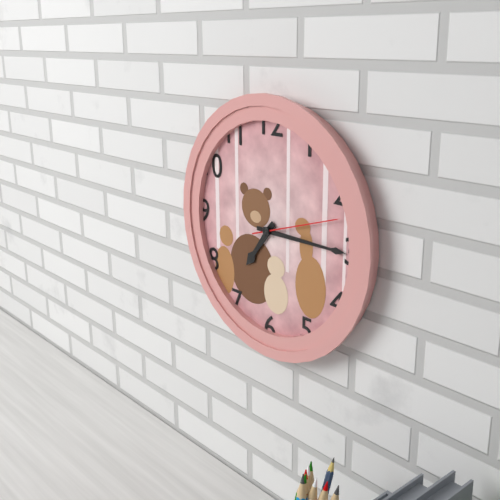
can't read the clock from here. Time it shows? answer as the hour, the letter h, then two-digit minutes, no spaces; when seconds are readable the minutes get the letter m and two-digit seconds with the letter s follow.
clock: 7h15m12s
